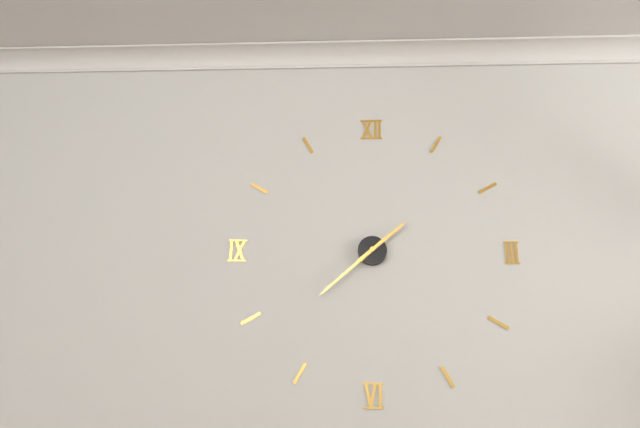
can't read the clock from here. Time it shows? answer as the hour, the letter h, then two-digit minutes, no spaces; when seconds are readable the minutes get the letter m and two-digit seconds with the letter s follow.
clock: 1h38
